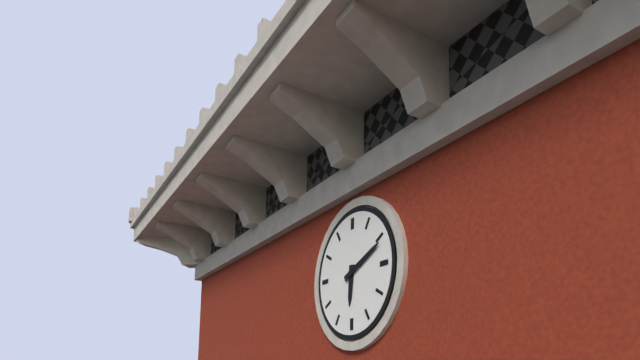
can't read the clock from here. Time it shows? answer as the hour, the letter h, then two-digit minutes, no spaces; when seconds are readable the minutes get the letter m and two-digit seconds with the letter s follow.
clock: 6h11
